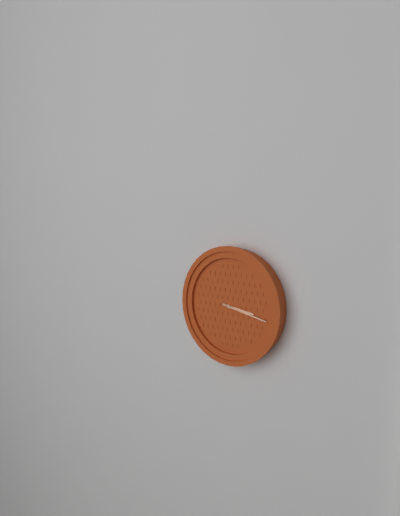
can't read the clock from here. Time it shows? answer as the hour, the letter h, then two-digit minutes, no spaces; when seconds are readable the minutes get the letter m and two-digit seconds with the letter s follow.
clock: 3h17
